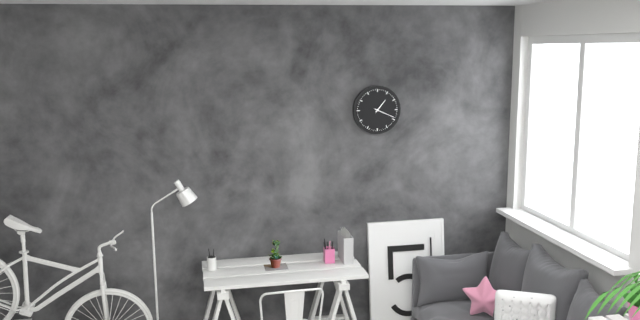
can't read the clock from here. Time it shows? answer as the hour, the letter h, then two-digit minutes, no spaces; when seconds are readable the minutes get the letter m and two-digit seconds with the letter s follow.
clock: 1h19
